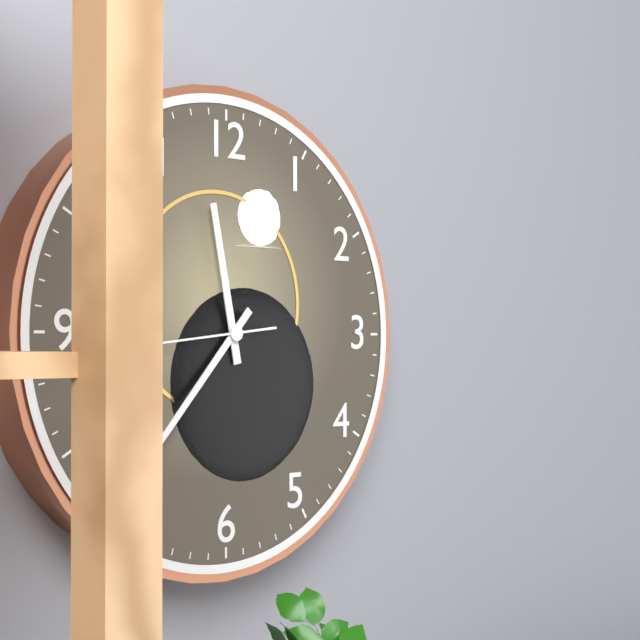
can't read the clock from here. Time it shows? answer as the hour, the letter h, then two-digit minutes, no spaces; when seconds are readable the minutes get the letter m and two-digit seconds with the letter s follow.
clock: 11h37
